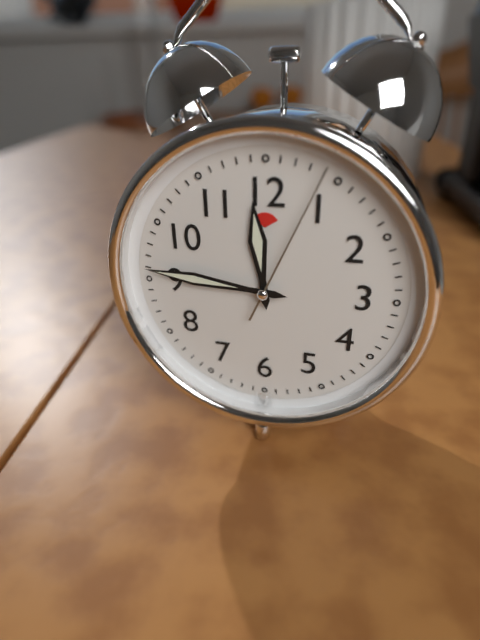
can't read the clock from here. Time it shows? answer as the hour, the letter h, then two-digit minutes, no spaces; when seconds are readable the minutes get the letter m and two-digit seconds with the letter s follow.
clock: 11h46m04s
